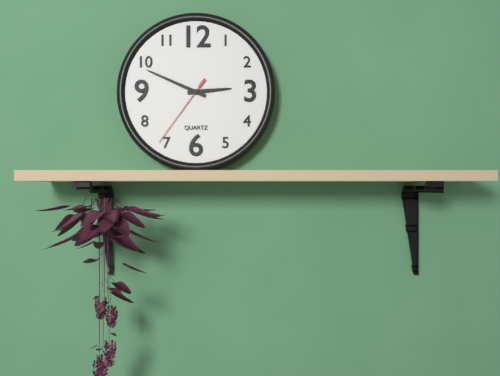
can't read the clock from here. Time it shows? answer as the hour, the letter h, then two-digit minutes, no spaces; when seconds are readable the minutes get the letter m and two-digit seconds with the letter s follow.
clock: 2h49m36s
